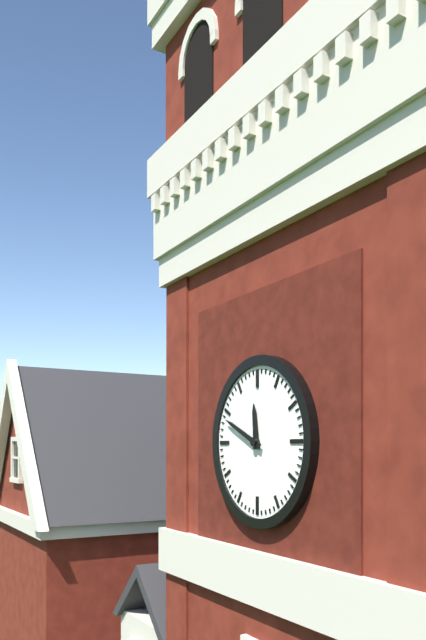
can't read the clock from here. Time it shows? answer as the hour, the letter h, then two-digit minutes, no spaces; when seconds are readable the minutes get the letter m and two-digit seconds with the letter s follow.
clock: 11h49
